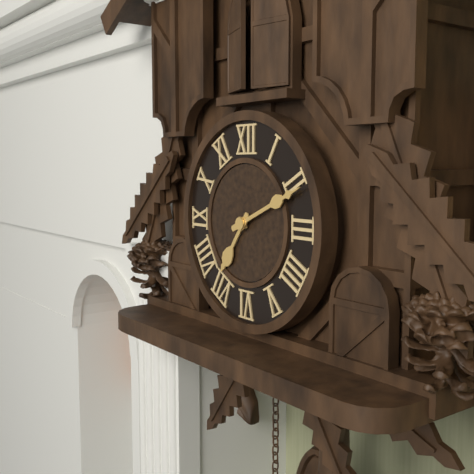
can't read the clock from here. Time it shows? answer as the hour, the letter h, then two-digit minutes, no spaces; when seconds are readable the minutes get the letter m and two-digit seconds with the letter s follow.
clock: 7h11
